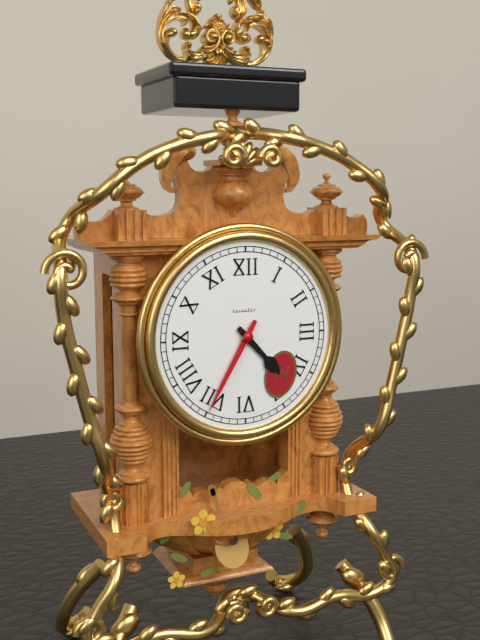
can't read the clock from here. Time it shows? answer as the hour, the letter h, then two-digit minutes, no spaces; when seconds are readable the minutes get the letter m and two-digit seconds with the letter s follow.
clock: 4h35
